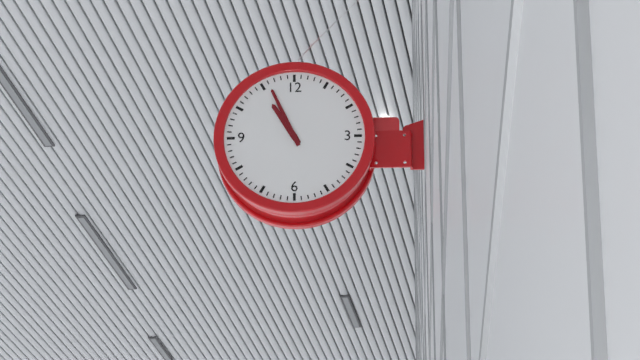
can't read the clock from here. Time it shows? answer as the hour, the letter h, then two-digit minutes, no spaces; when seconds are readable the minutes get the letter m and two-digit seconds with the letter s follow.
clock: 10h56
